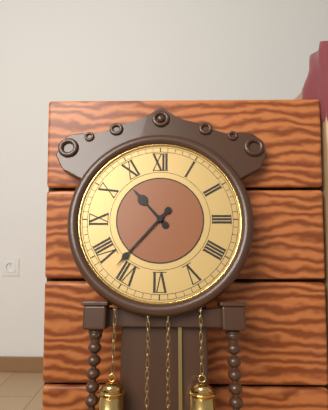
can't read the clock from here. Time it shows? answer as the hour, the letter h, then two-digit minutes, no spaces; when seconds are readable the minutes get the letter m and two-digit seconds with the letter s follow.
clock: 10h37
